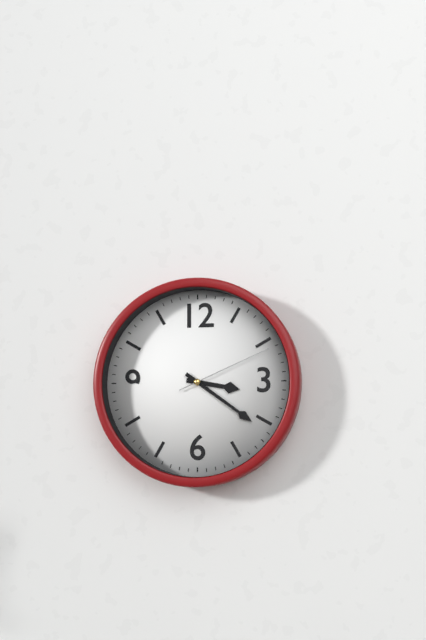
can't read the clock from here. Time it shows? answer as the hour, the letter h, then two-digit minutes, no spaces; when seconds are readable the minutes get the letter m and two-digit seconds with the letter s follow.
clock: 3h21m11s
